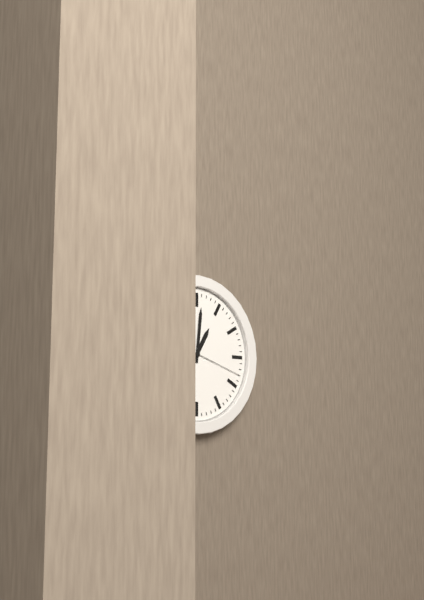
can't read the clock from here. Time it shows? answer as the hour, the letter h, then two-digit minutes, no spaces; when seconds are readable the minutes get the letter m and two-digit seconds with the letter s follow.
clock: 1h01m18s
